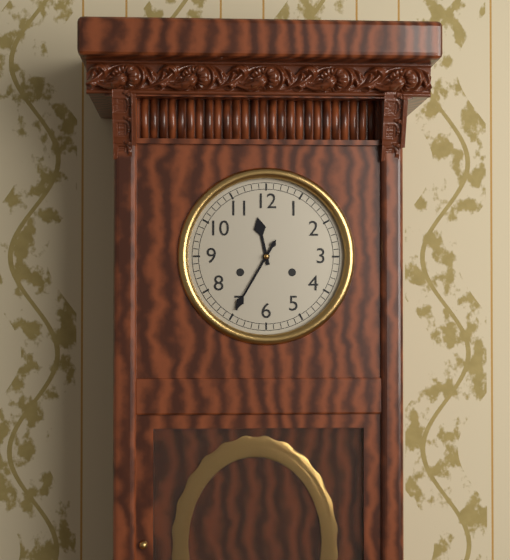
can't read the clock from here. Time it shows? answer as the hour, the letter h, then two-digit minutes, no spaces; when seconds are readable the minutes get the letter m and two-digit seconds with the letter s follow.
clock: 11h35
